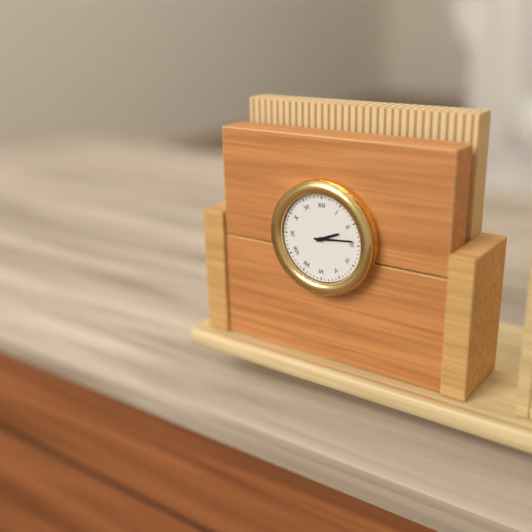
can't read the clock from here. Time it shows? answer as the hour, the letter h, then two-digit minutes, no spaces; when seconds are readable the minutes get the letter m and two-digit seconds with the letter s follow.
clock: 2h14
